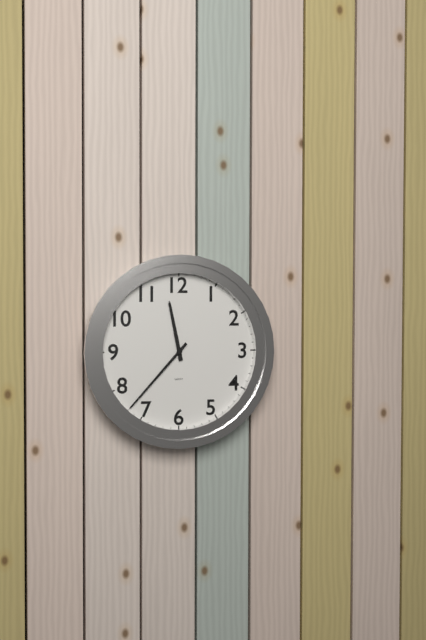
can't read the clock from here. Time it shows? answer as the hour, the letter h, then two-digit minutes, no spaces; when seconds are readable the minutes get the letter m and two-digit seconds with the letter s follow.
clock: 11h37
